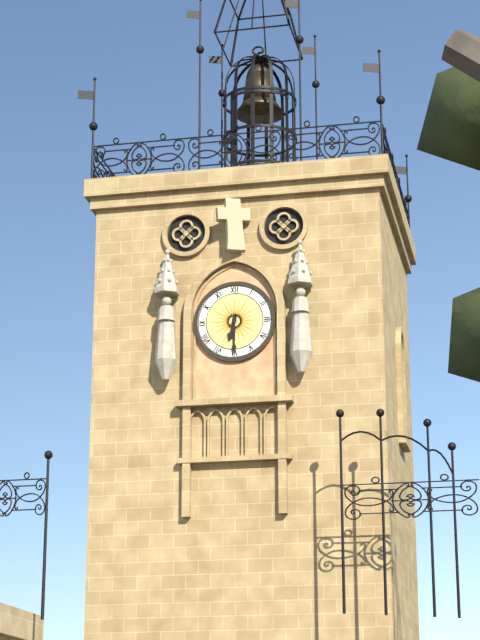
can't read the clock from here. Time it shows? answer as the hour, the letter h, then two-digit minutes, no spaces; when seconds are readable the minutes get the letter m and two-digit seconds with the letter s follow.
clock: 6h30
